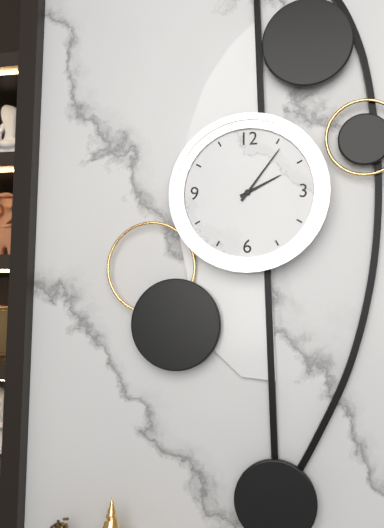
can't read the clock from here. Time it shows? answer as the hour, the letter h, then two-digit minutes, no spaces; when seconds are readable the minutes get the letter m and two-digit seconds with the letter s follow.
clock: 2h06
